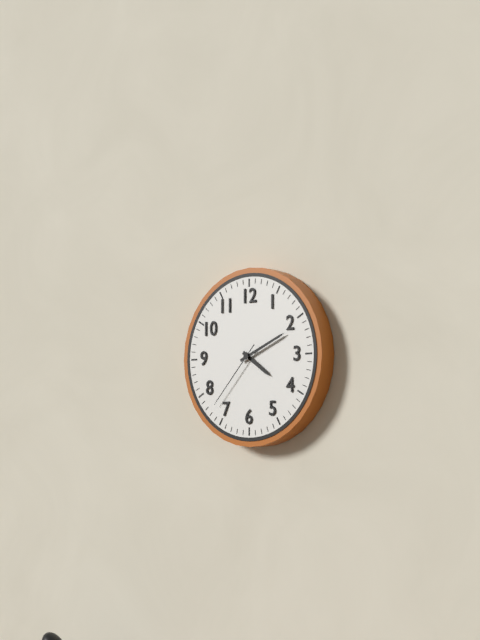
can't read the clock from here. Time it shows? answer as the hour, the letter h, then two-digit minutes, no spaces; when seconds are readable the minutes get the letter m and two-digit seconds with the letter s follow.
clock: 4h11m37s
